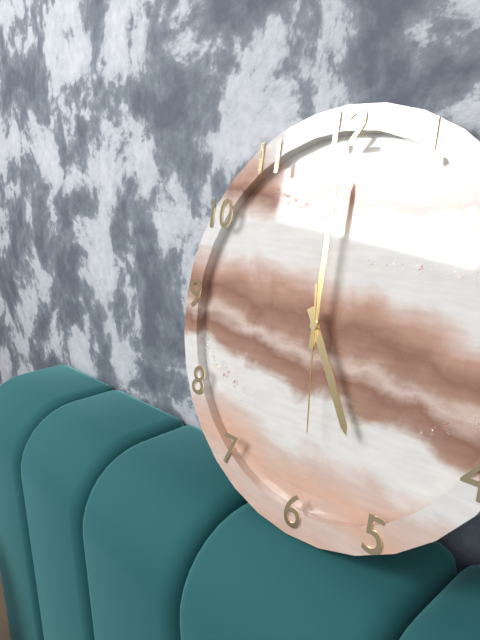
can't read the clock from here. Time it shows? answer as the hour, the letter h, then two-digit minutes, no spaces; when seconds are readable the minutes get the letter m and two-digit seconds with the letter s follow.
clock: 5h00m29s
